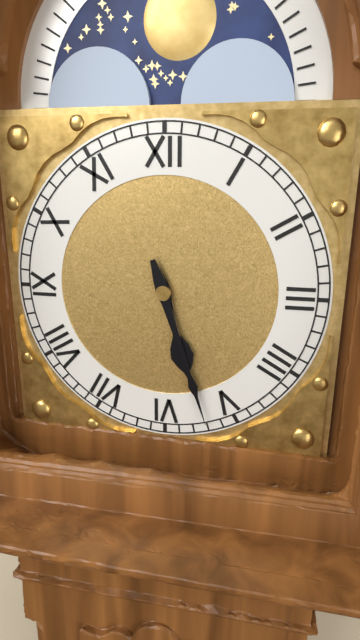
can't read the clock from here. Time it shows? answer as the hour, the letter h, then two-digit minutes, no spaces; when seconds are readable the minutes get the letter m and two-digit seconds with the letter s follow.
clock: 5h27
